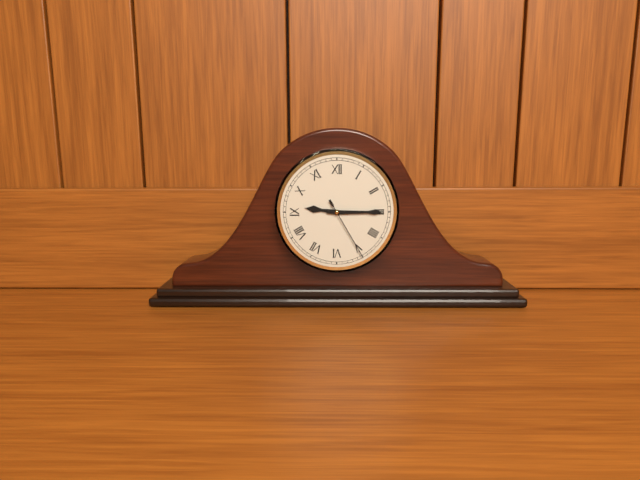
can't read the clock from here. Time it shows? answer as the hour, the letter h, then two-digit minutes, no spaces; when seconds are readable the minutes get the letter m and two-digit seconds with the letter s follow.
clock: 9h15m25s
